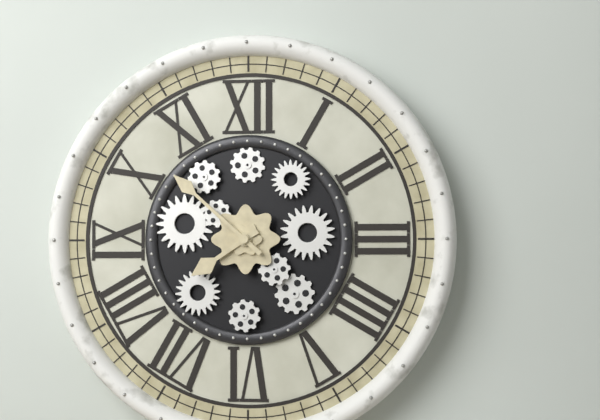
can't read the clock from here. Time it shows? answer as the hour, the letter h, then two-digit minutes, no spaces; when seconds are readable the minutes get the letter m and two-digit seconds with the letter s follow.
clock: 7h52
